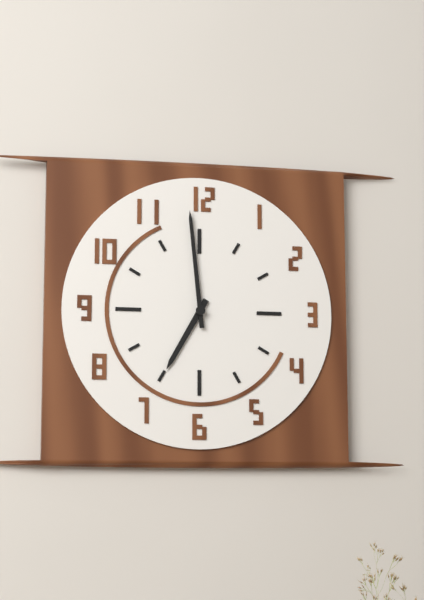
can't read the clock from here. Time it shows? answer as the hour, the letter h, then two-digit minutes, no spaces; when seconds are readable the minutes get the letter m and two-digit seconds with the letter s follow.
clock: 6h59
